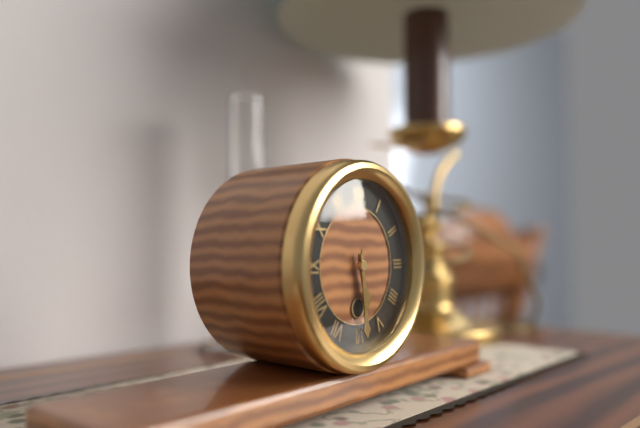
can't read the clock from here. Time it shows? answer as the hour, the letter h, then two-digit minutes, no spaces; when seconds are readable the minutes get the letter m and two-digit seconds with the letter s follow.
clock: 5h29
